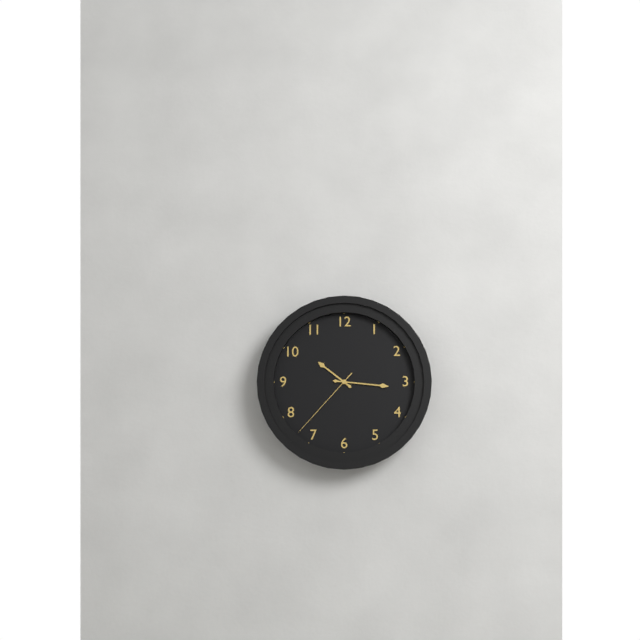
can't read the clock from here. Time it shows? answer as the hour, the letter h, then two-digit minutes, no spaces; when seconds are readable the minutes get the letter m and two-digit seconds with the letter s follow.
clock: 10h16m37s
